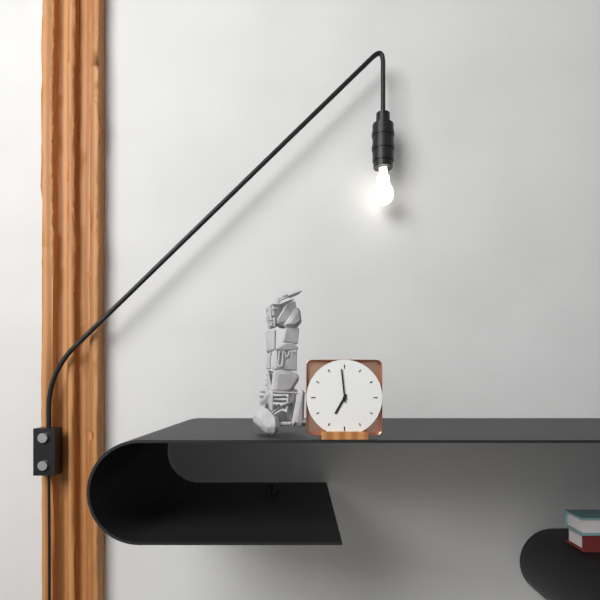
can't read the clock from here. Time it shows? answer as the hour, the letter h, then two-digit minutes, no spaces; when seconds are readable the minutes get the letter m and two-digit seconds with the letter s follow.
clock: 6h59
